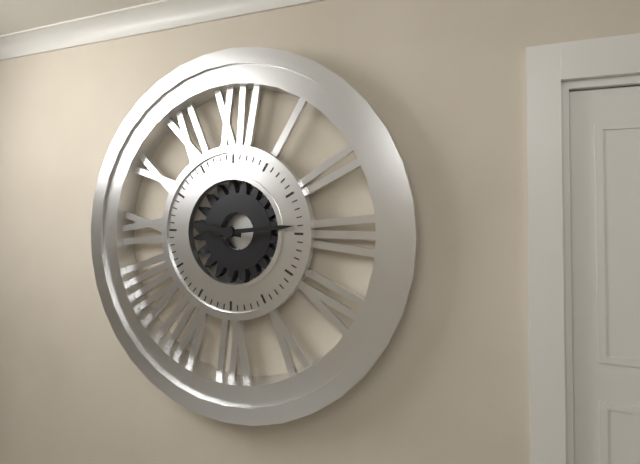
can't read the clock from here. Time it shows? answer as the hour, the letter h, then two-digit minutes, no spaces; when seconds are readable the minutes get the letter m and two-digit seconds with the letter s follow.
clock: 9h14
